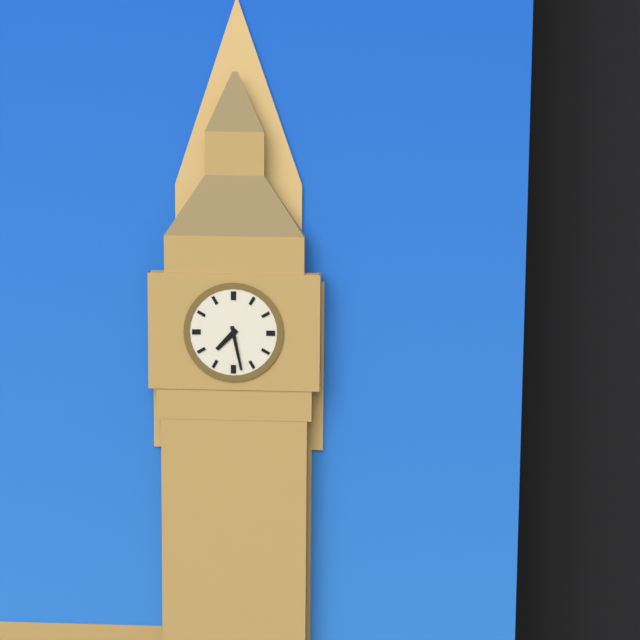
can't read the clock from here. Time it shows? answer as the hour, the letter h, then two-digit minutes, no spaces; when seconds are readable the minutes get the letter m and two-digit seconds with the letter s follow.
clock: 7h28
